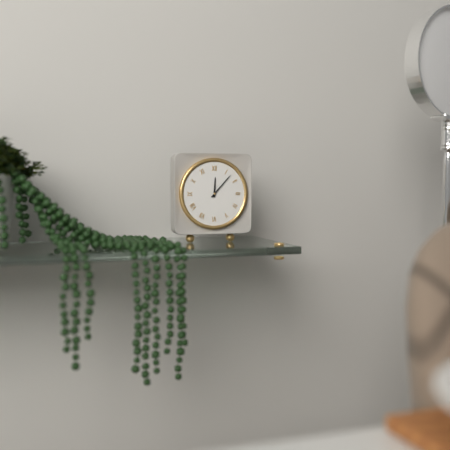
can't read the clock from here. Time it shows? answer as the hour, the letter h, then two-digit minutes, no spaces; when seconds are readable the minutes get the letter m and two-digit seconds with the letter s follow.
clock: 12h07
